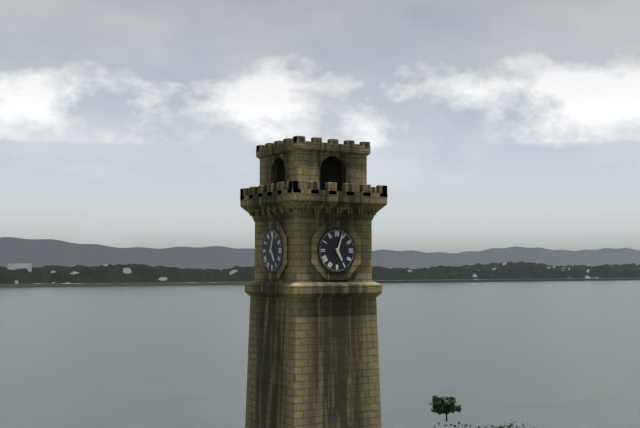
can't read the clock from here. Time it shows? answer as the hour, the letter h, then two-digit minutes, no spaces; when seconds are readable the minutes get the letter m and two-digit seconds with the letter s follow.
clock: 5h03
